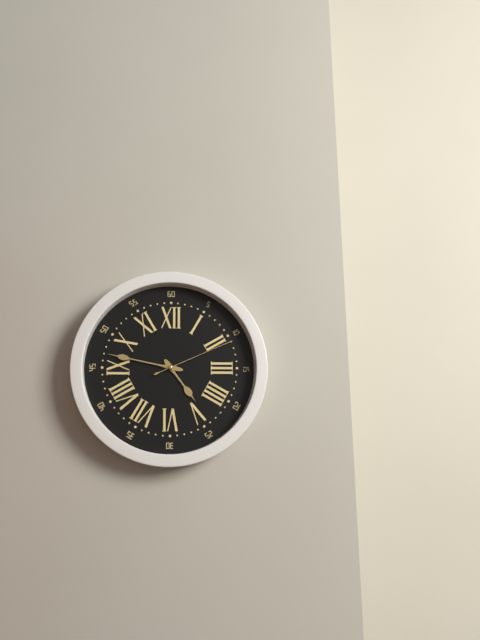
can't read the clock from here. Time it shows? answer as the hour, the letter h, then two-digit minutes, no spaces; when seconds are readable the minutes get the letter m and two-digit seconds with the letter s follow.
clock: 4h47m11s
